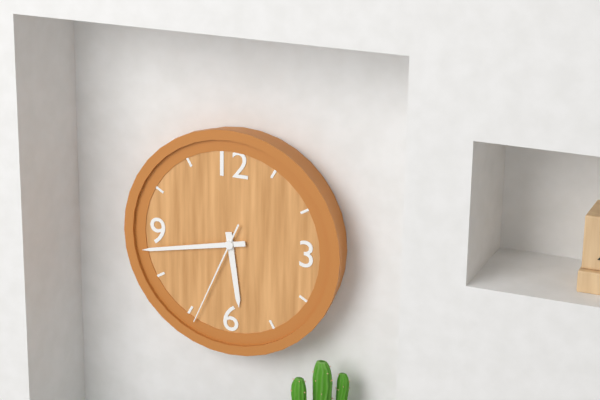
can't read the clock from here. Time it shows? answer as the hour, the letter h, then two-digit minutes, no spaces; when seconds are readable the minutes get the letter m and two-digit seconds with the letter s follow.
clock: 5h43m34s
